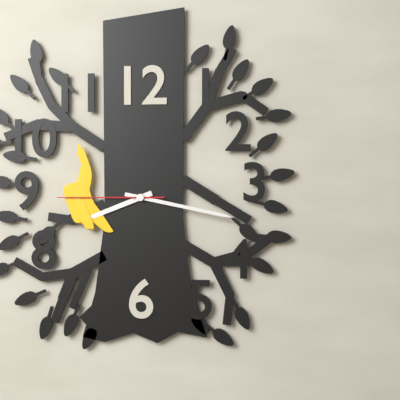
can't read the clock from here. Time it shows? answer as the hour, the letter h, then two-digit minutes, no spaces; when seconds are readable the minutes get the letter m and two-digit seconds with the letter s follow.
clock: 8h17m45s
